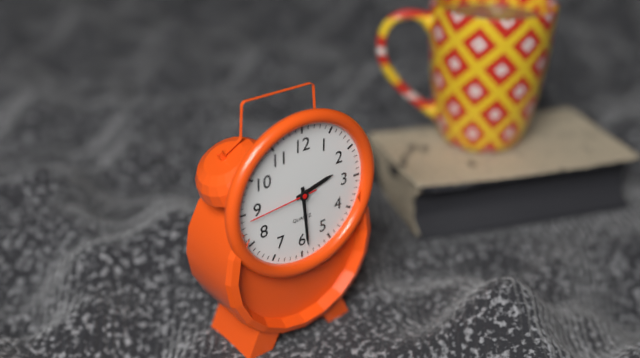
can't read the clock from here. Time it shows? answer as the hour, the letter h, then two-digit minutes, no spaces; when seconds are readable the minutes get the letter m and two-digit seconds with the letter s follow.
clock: 2h29m44s
